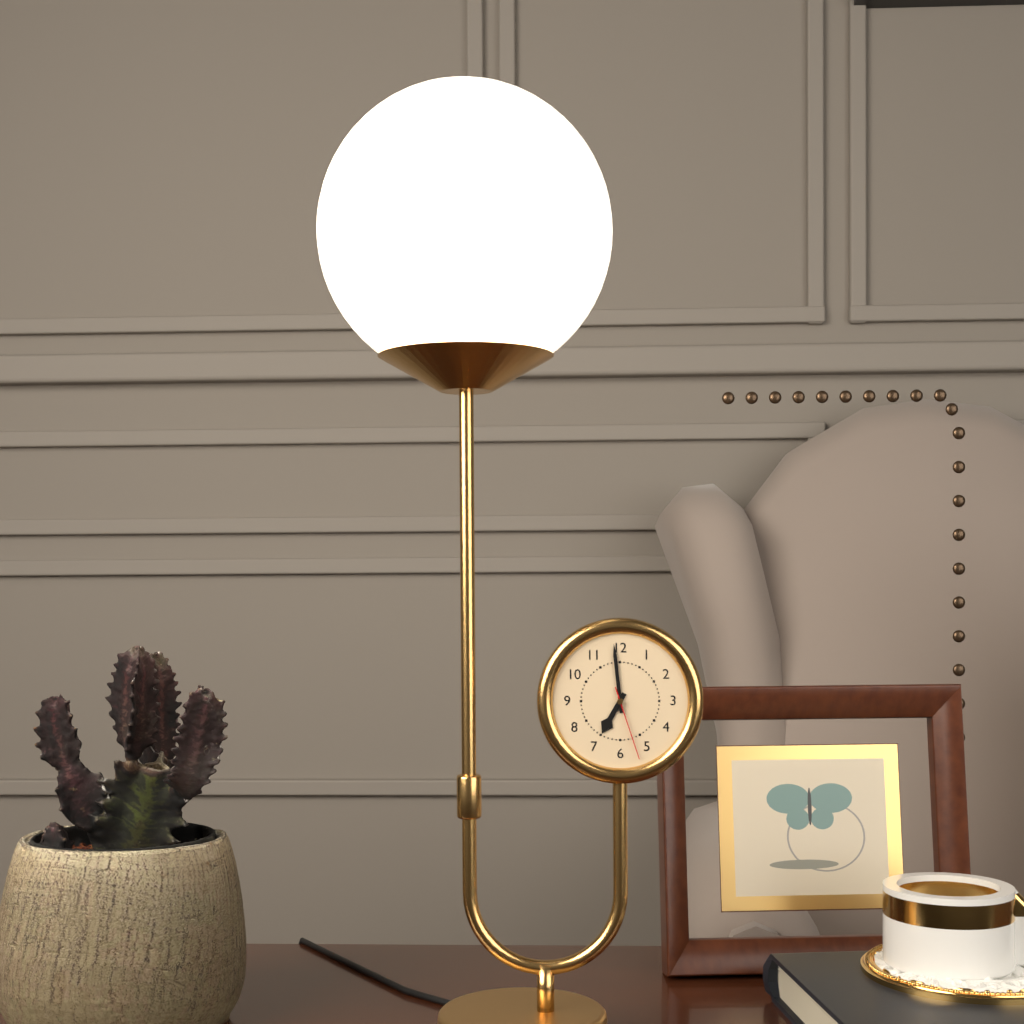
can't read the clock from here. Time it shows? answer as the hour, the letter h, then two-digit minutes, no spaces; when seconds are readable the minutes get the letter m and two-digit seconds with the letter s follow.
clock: 6h59m27s
